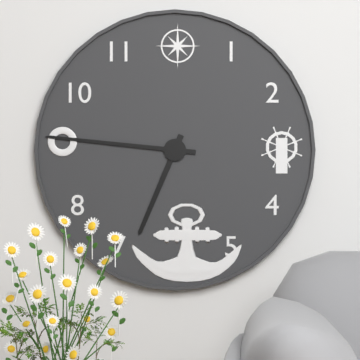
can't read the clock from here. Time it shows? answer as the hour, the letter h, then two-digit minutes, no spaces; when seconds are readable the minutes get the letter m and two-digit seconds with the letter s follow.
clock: 6h46
